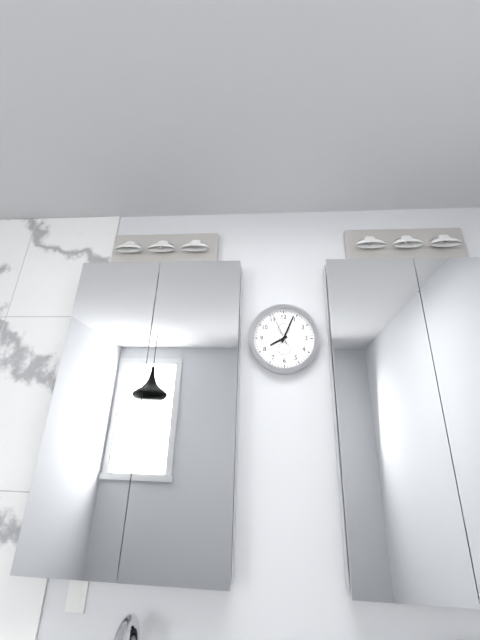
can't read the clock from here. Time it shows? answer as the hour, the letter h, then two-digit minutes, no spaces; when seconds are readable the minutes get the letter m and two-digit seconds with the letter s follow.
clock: 8h04
